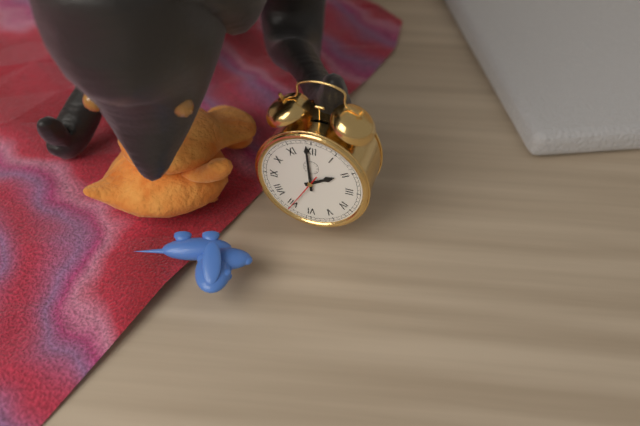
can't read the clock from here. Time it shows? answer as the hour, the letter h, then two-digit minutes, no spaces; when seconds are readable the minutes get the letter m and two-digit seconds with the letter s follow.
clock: 1h59
